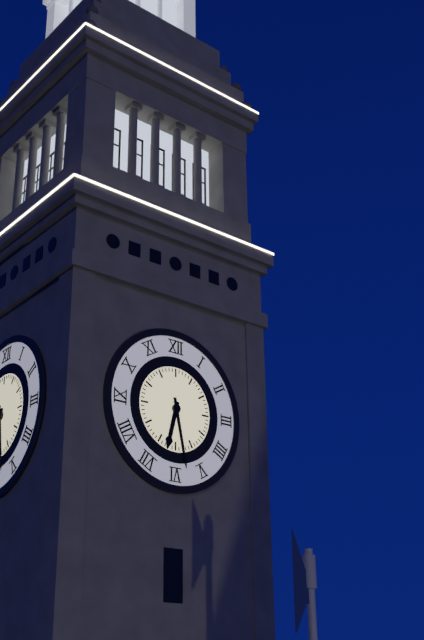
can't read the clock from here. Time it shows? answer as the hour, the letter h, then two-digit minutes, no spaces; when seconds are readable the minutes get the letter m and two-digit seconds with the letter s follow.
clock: 6h28
